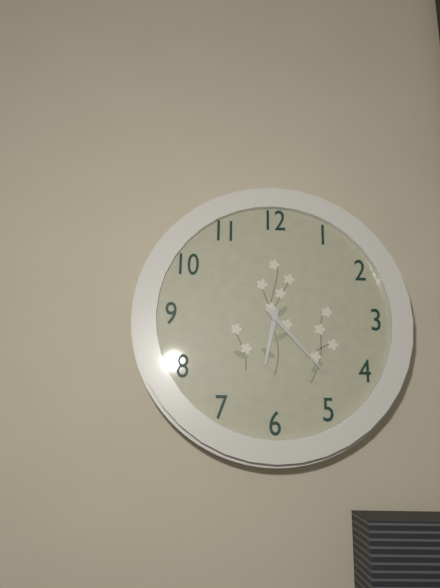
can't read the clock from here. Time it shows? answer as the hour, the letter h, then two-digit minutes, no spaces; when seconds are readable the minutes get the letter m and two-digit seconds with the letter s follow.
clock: 6h23
